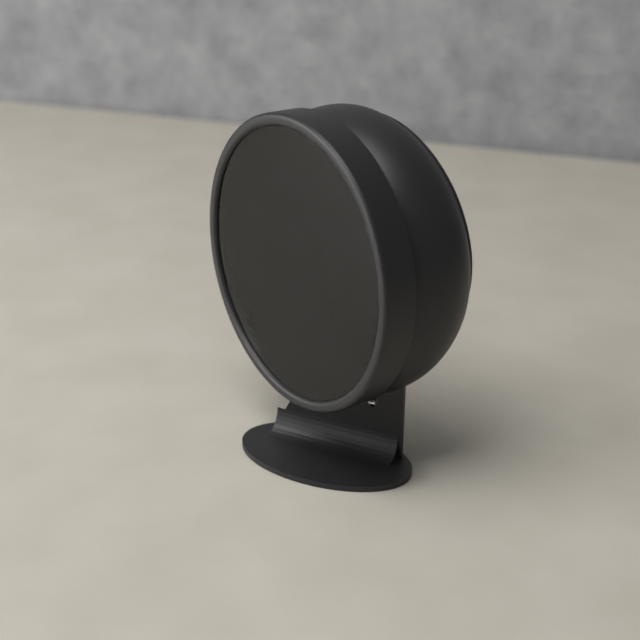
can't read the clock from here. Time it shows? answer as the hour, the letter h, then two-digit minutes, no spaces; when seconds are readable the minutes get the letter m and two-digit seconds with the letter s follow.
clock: 6h50m28s
